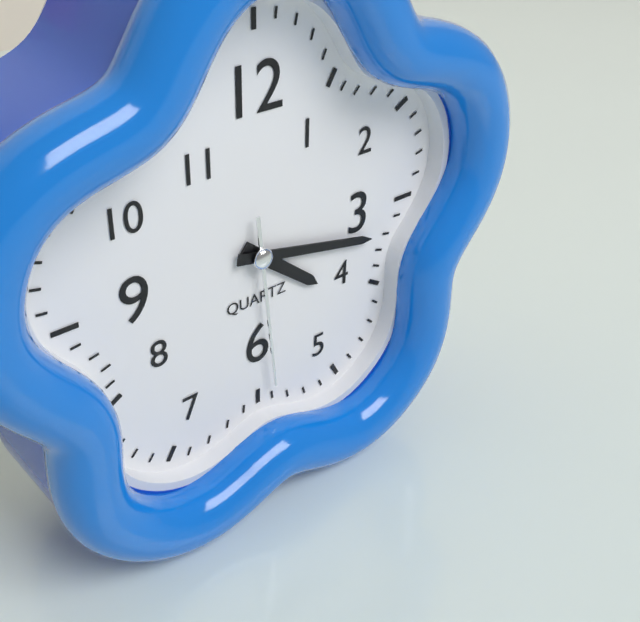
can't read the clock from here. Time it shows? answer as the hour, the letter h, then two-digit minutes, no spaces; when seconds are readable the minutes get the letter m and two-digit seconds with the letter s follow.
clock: 4h17m29s
